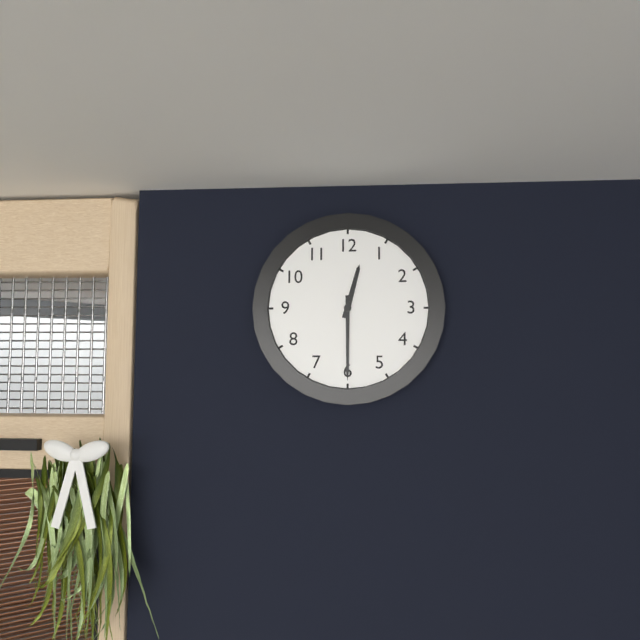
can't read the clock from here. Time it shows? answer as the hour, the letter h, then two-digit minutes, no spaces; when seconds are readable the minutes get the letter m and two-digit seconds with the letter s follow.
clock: 12h30
